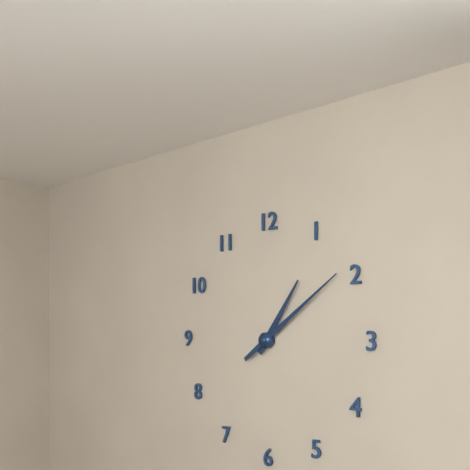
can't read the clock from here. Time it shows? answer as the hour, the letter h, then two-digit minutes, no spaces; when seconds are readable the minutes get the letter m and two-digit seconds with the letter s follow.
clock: 1h09
